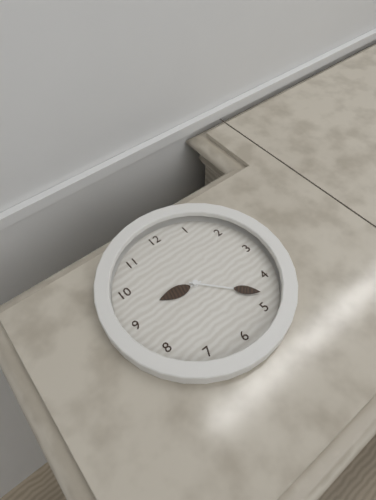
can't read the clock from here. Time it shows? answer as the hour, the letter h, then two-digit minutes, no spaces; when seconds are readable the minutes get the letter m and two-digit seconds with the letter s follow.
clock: 9h23
